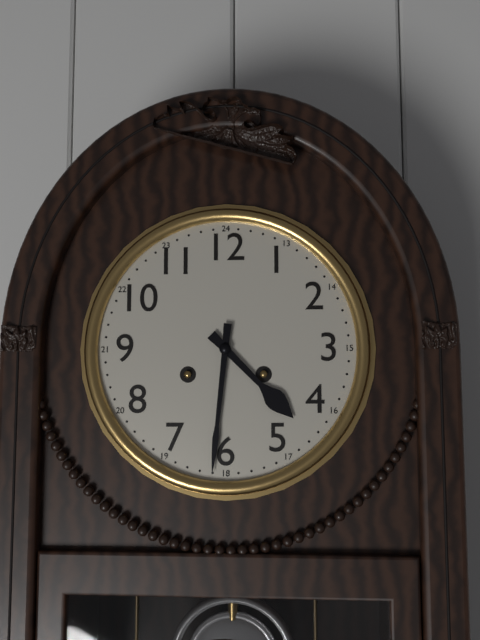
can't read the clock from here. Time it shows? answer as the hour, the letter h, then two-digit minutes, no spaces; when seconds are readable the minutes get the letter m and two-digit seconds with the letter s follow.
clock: 4h31
